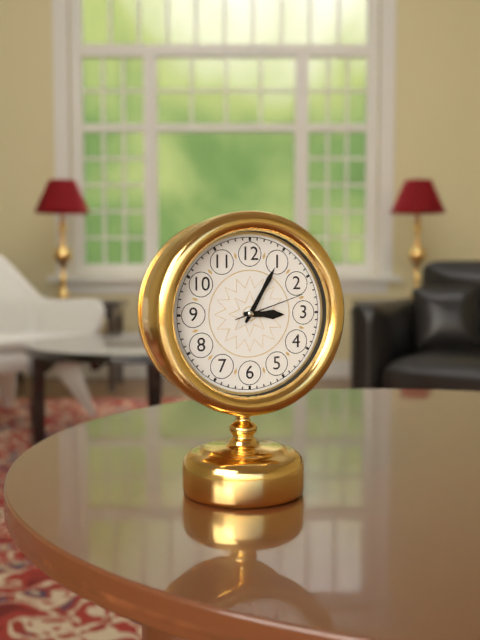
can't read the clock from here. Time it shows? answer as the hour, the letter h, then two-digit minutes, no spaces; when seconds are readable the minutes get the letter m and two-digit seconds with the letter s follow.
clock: 3h05m12s
